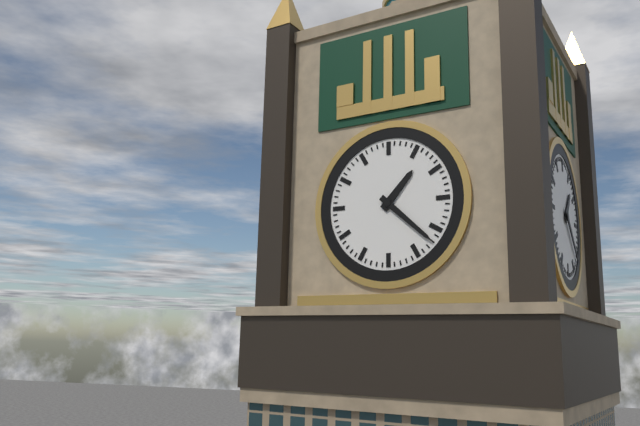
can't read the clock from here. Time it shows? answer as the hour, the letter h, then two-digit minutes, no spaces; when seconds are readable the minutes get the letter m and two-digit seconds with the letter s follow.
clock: 1h22
